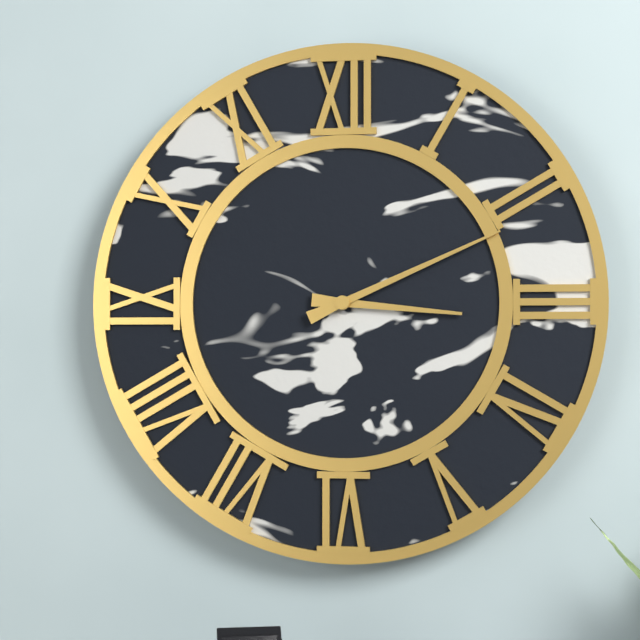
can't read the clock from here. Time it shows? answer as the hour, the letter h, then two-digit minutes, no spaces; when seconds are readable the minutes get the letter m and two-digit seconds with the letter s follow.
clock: 3h11
